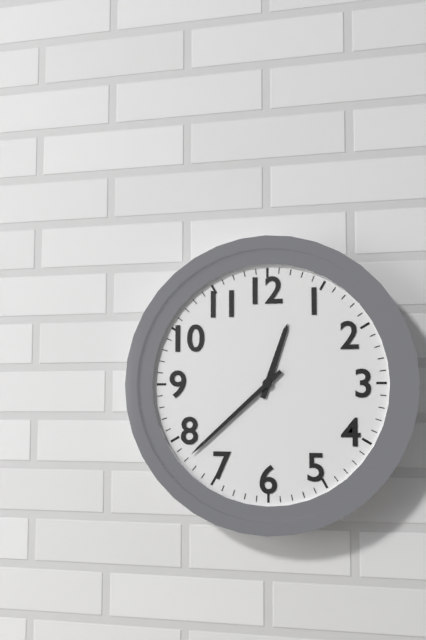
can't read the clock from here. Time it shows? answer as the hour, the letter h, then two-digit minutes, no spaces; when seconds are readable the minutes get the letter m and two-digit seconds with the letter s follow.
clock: 12h38
